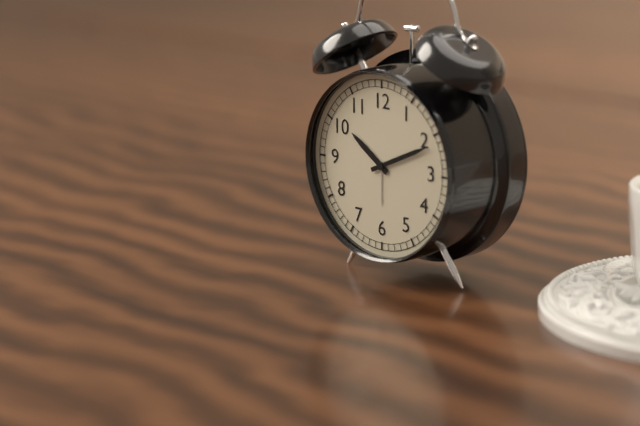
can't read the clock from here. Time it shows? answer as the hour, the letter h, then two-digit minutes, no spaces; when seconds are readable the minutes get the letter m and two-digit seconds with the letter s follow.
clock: 10h11
